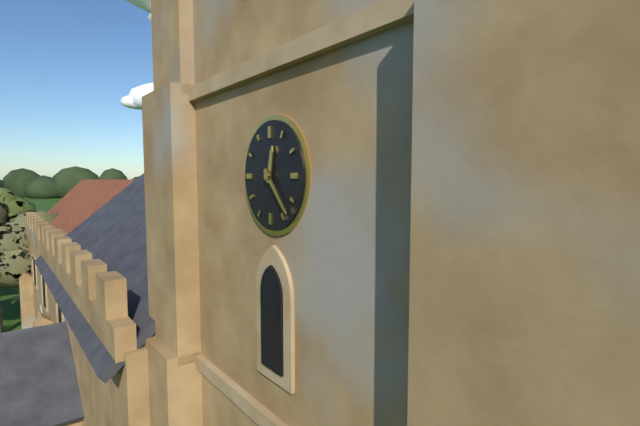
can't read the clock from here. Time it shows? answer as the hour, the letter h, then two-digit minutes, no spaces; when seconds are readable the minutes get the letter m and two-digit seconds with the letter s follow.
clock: 12h23
